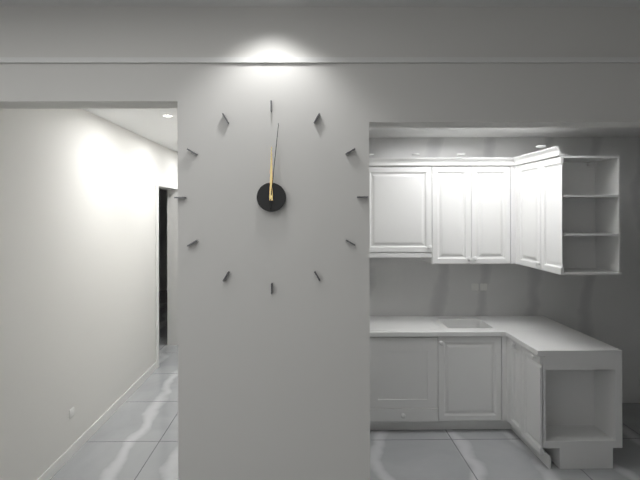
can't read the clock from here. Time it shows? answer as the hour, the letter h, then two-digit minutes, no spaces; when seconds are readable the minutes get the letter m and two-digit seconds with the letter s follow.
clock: 12h01
